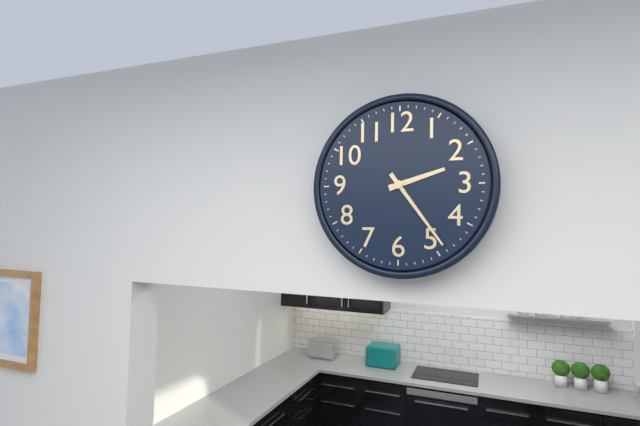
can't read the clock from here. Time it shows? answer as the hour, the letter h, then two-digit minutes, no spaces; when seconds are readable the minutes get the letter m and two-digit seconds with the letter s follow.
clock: 2h24
